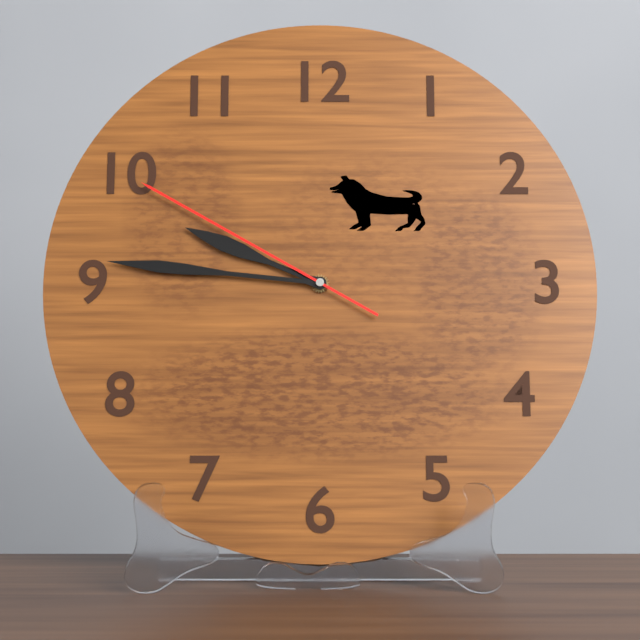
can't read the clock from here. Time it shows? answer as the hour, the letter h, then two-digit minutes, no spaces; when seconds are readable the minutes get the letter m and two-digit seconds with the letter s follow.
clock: 9h46m50s
